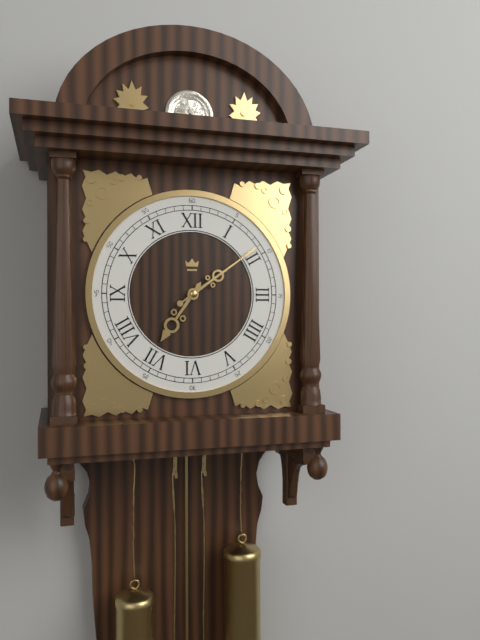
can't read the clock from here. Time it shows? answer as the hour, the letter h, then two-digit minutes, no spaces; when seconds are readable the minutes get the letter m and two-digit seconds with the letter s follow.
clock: 7h09
